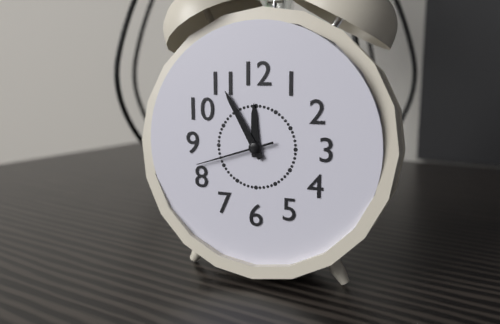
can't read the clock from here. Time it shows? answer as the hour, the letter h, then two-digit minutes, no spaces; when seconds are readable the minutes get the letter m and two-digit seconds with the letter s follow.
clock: 11h55m42s
